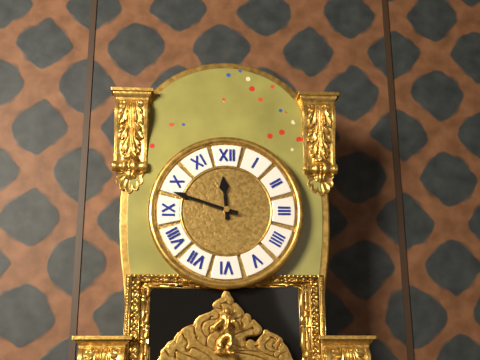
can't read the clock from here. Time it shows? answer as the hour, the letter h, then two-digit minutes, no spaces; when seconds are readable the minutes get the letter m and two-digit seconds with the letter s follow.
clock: 11h48
